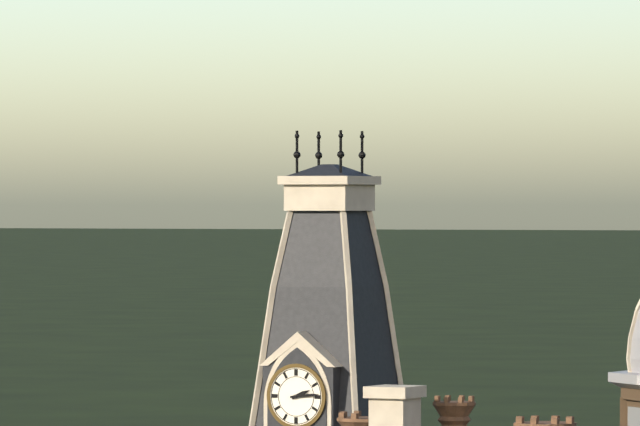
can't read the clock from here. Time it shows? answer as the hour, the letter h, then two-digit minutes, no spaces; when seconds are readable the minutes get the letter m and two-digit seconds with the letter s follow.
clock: 2h14
